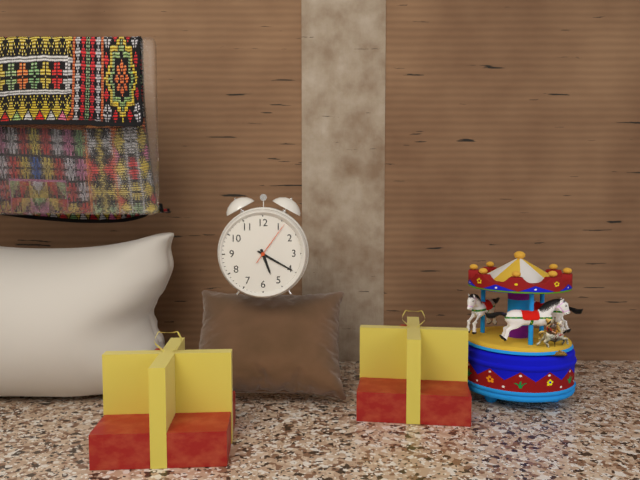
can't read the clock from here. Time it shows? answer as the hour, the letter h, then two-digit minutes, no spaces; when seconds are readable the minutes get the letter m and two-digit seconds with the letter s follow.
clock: 5h20
